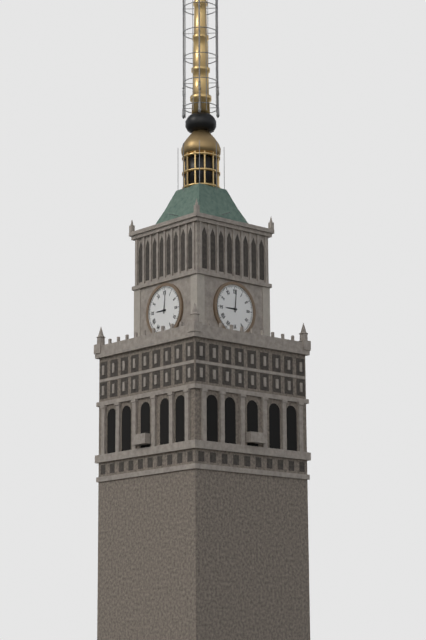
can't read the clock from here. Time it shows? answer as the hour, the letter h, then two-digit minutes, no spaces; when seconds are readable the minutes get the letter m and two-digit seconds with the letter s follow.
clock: 9h01
